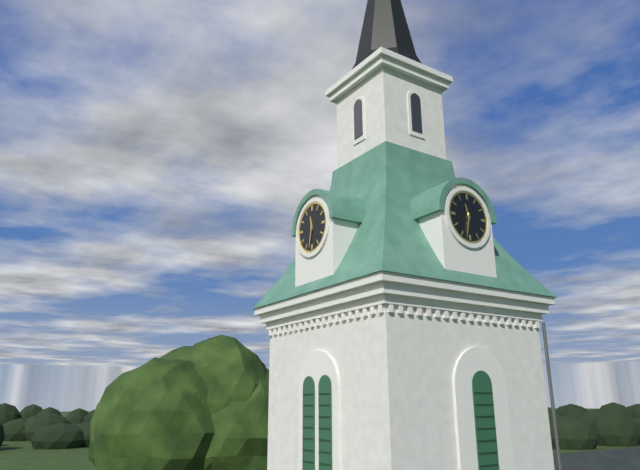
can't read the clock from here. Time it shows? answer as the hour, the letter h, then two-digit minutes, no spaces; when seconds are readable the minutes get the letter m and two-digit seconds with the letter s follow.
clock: 11h32
